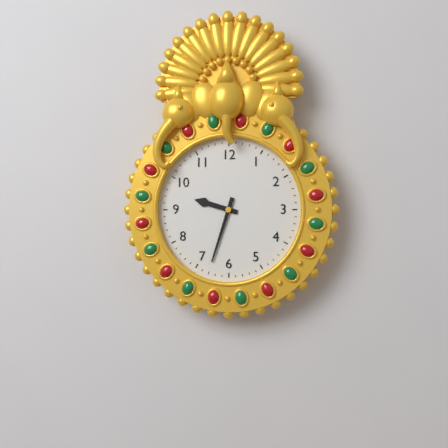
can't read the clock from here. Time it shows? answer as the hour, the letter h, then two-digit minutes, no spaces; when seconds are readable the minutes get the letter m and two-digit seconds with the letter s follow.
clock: 9h33
